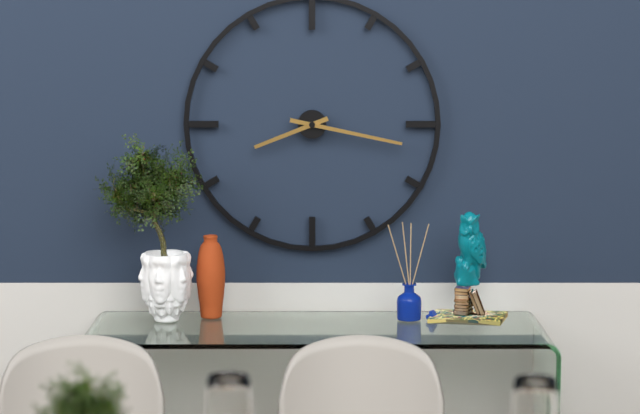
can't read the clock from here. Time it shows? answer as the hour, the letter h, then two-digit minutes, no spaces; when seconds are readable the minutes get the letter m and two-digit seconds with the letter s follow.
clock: 8h17
